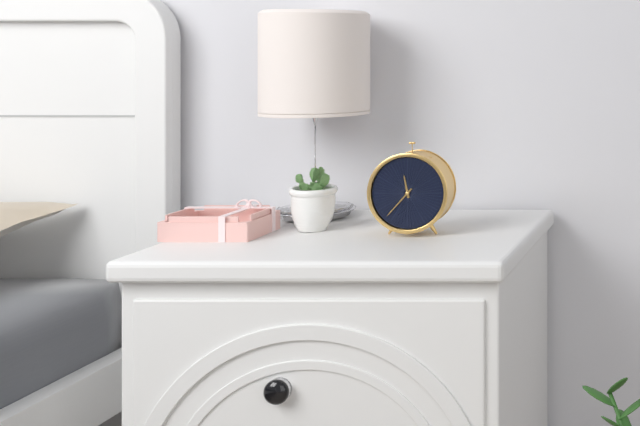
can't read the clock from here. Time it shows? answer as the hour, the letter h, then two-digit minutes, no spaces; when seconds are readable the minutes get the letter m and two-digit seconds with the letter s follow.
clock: 11h37
